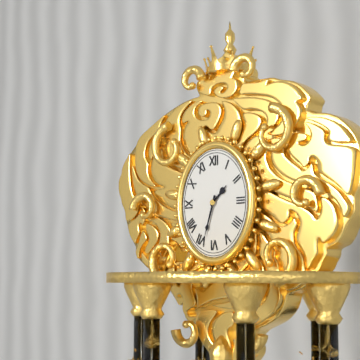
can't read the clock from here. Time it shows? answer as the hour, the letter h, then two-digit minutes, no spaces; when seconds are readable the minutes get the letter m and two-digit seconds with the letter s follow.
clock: 1h33
